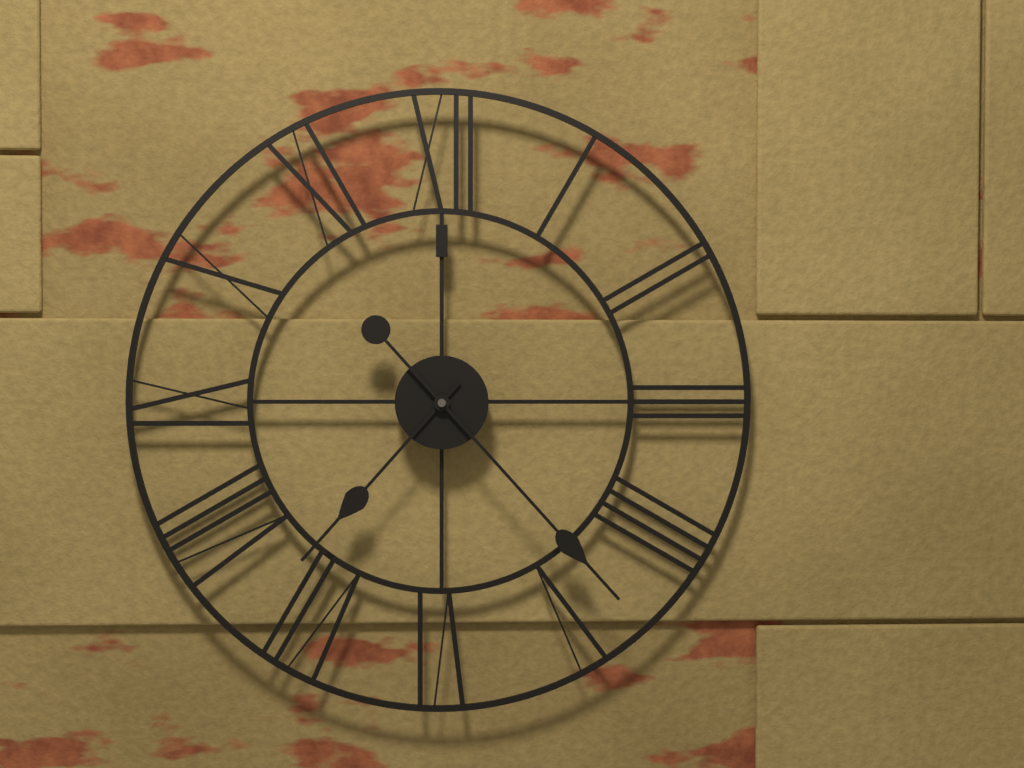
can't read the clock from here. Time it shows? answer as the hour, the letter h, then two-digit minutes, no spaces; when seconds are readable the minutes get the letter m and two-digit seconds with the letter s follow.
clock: 7h23
